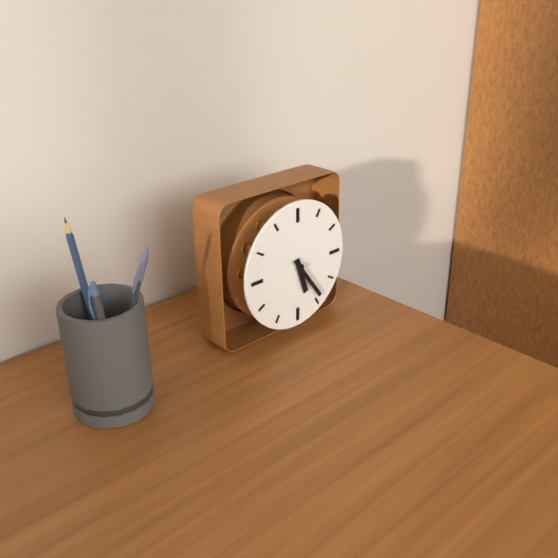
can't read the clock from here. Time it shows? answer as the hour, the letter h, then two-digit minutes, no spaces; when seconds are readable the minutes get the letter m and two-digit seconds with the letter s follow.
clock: 5h24
